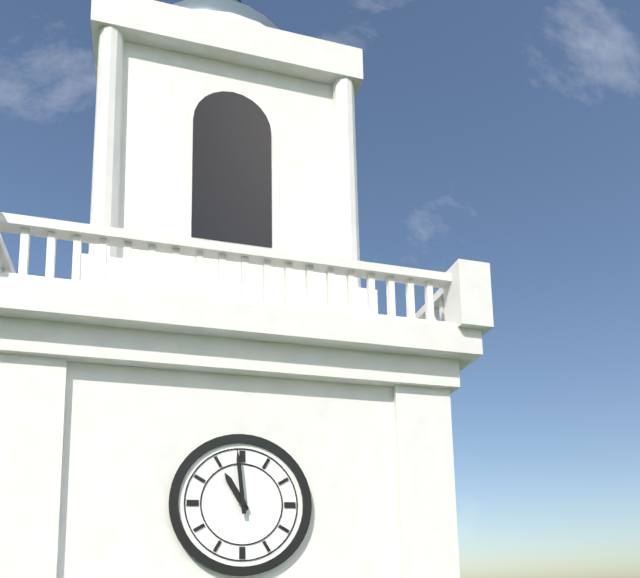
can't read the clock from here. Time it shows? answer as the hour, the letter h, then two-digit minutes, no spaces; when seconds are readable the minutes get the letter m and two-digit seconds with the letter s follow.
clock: 10h59
